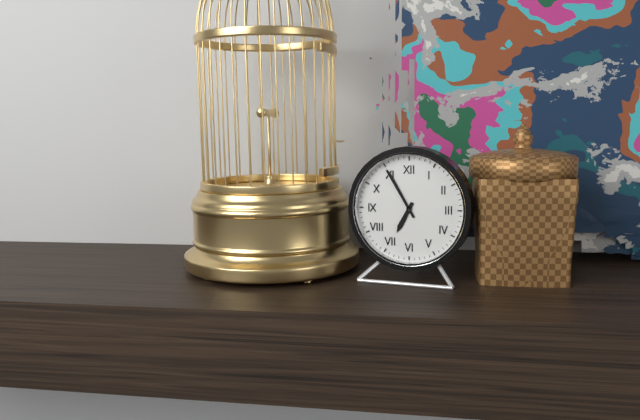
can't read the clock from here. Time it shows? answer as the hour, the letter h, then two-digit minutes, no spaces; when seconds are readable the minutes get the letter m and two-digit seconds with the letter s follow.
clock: 6h55
